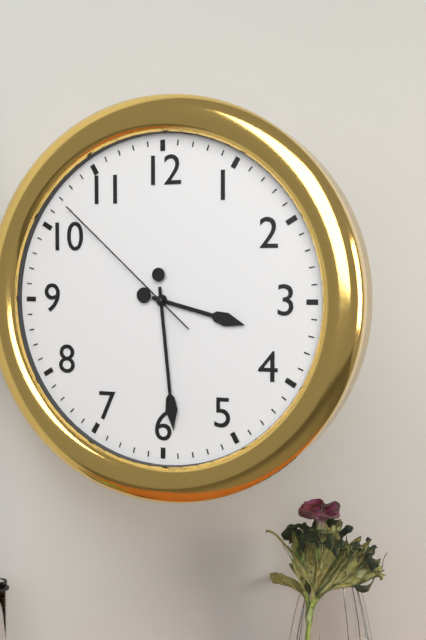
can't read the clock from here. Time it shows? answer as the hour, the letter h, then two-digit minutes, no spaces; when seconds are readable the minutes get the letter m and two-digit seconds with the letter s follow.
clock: 3h29m52s
